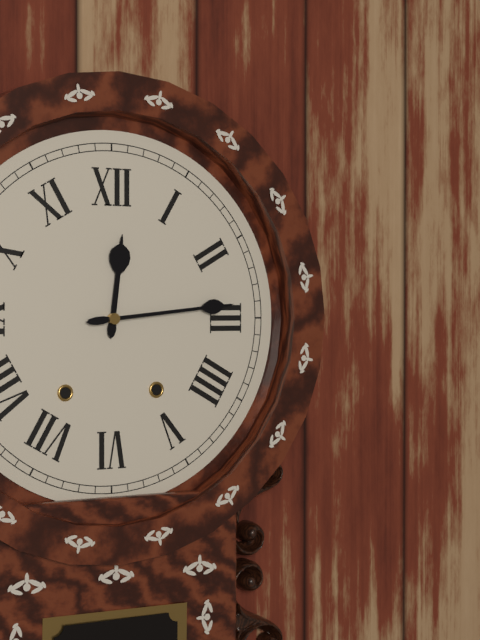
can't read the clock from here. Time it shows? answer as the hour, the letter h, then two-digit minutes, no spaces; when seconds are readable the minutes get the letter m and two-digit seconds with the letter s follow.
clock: 12h14
